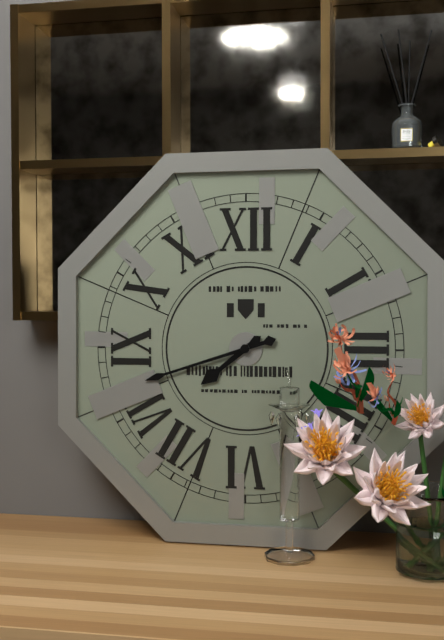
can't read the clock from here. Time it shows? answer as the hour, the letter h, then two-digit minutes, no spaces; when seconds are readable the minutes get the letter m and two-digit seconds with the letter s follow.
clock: 7h42
